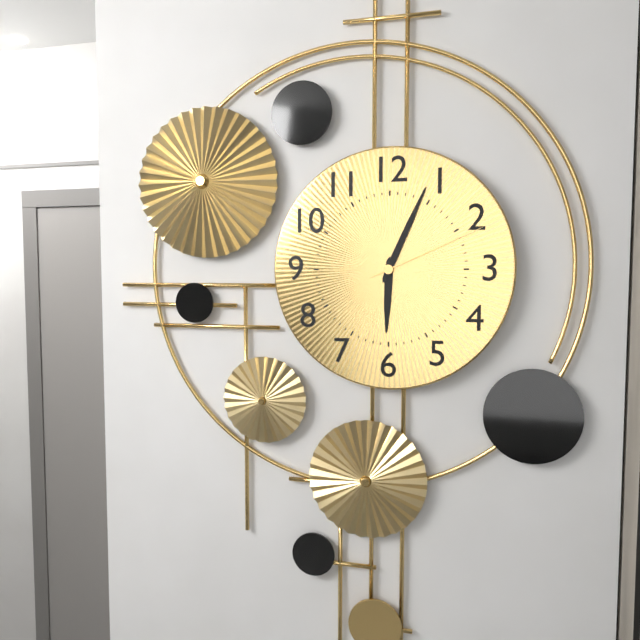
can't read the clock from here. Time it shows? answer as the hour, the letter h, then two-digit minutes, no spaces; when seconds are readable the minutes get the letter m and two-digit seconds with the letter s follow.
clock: 6h04m11s
